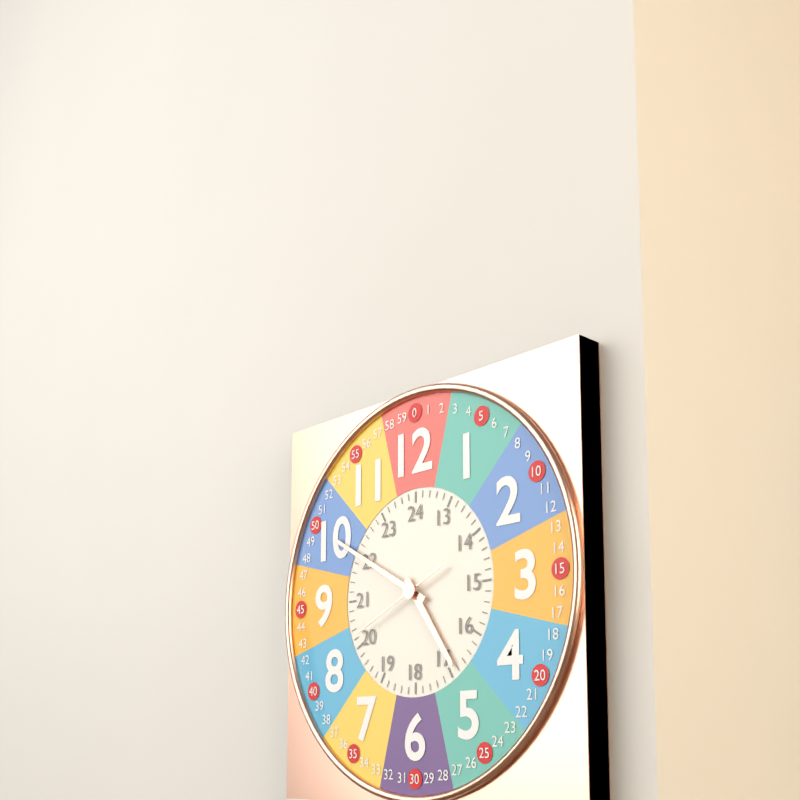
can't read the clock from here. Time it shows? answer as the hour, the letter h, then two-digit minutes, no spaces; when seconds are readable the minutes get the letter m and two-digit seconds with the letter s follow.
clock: 4h50m41s
